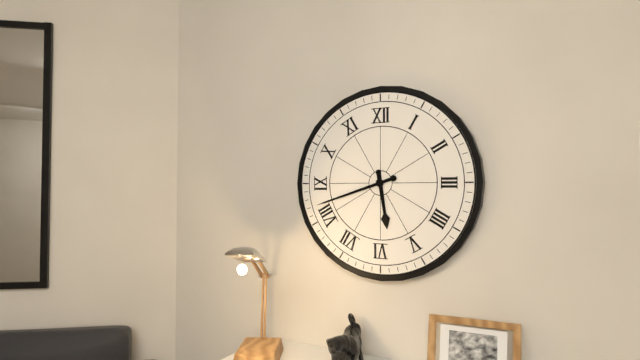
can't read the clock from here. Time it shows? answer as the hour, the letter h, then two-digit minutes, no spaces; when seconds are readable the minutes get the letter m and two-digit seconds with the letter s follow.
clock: 5h42
